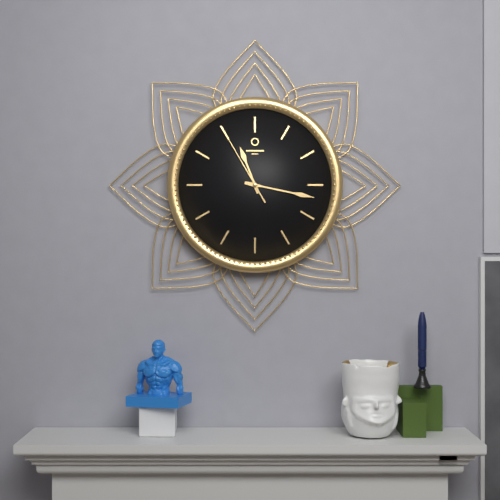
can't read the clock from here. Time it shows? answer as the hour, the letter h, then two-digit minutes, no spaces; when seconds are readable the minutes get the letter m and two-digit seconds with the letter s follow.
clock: 11h17m55s
